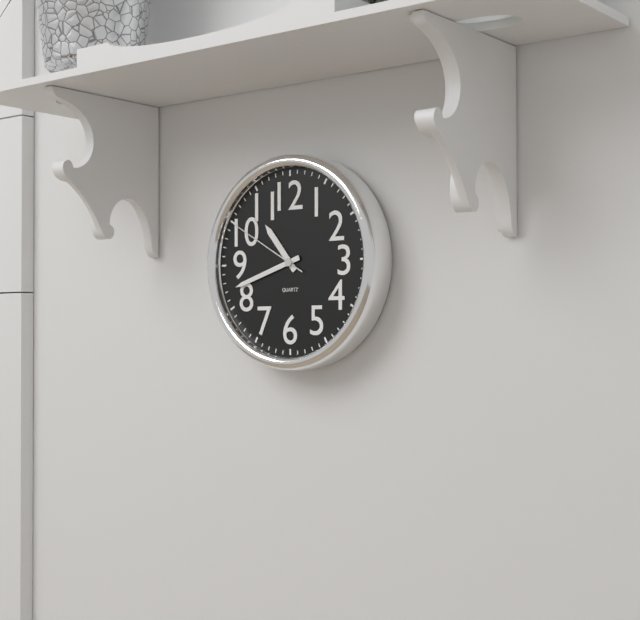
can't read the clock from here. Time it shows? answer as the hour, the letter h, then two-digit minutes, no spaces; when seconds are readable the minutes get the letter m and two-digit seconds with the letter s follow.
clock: 10h42m50s
